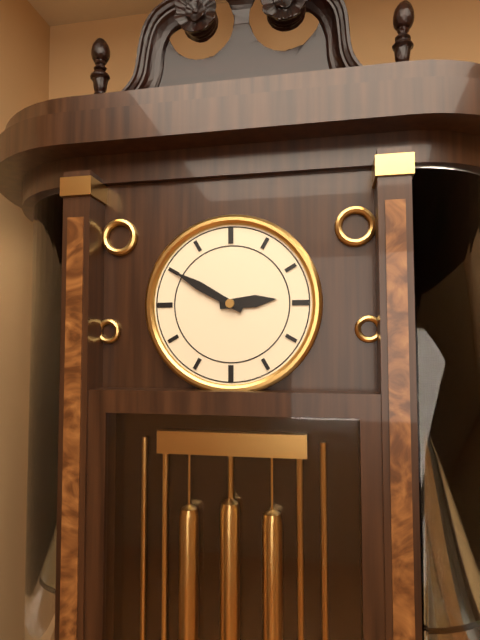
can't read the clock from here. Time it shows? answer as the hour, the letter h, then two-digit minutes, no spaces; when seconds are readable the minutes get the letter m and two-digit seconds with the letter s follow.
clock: 2h50
